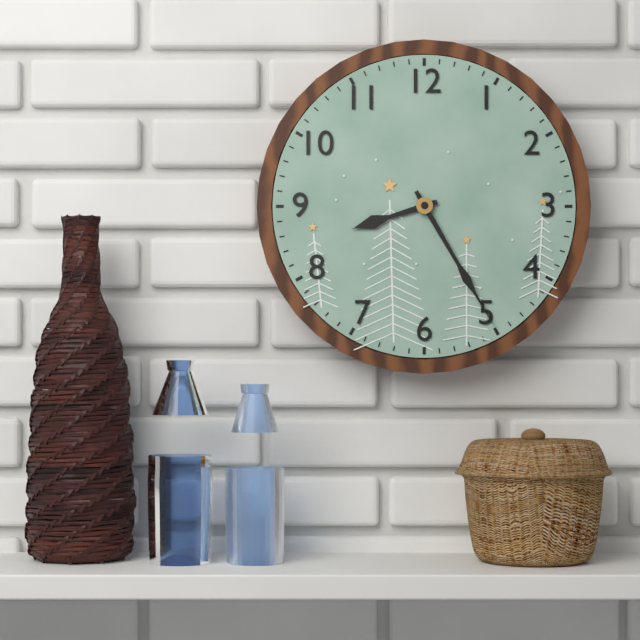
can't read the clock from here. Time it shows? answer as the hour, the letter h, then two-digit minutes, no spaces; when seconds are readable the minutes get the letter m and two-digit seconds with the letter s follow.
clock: 8h25
